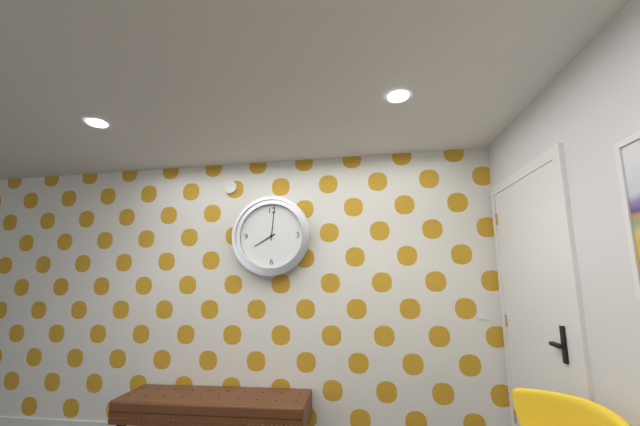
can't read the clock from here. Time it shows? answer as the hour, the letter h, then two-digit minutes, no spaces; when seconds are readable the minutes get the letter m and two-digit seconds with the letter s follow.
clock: 8h01
